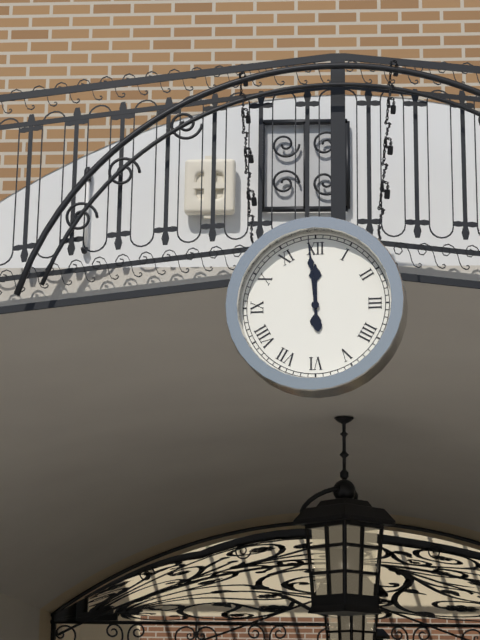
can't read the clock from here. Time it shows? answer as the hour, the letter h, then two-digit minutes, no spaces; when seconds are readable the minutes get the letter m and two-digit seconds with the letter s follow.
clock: 11h59
